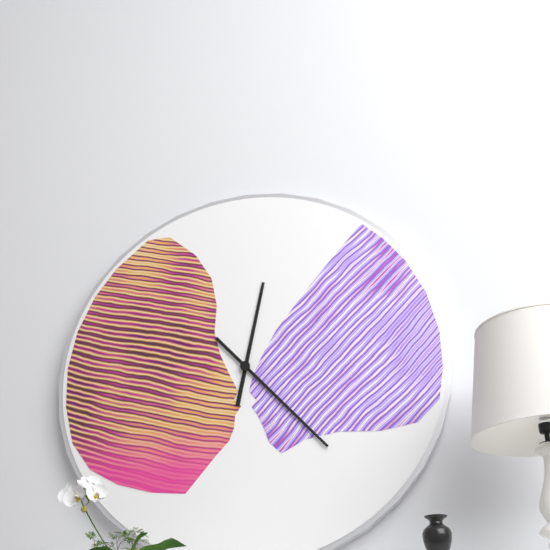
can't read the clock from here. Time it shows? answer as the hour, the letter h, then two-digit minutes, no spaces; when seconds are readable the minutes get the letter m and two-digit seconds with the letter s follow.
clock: 12h23
